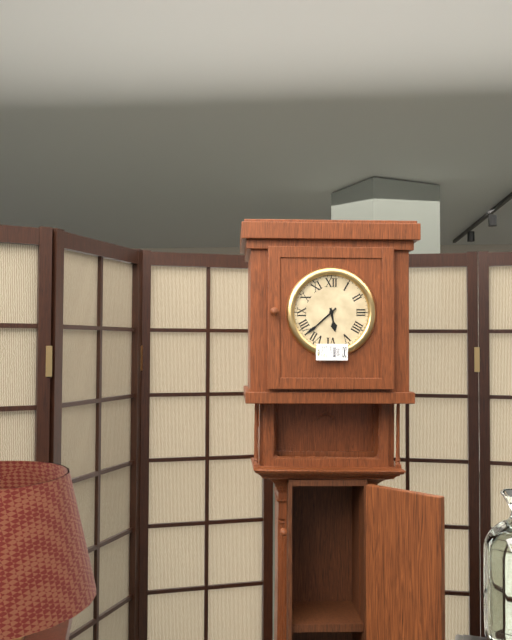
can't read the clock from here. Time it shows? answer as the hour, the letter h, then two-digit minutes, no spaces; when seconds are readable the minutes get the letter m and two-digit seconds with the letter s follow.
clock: 5h38
